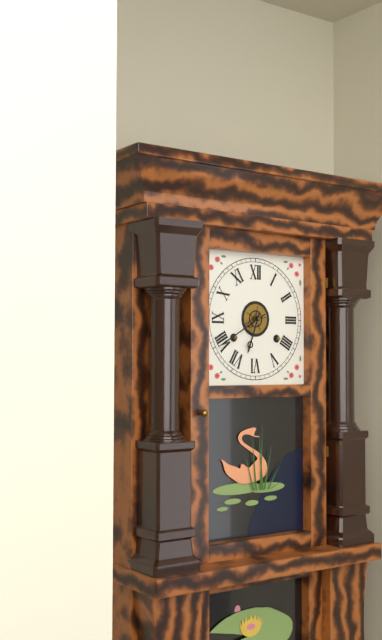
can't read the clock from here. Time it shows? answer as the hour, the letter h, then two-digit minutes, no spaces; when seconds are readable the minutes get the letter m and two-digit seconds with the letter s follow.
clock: 6h40
